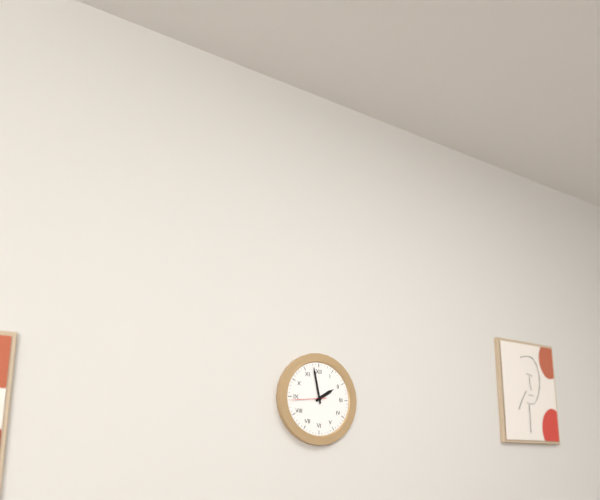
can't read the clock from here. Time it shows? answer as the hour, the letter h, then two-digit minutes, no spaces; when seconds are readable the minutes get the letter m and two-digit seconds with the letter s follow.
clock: 1h58
